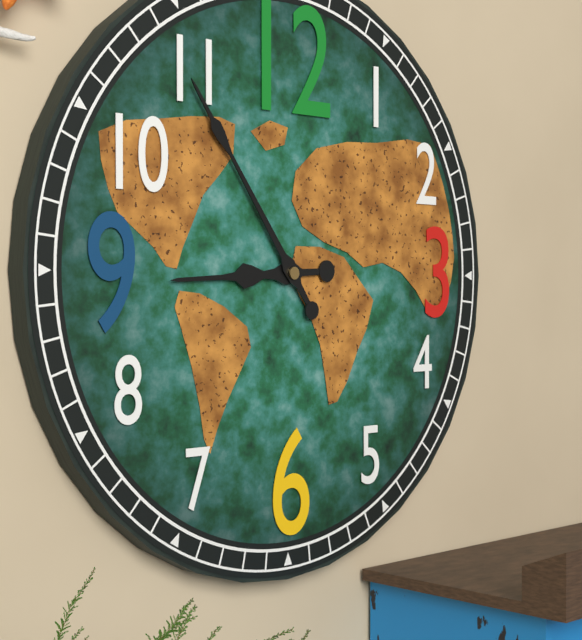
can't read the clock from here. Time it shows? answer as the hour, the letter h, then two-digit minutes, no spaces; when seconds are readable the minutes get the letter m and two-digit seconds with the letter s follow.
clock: 8h54
